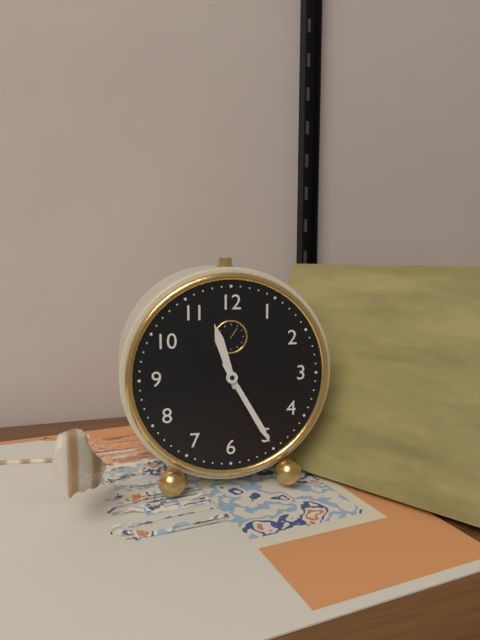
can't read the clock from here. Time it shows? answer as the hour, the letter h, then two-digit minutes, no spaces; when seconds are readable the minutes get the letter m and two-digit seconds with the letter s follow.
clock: 11h25
